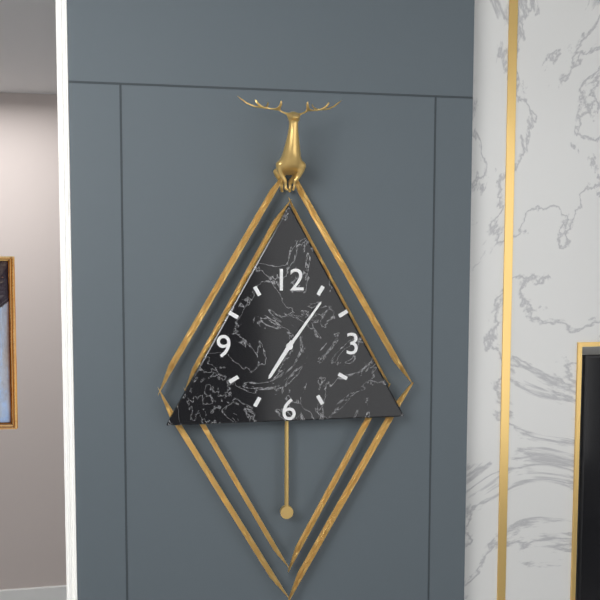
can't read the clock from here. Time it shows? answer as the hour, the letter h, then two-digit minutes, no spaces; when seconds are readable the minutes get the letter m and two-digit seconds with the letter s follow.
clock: 7h06
